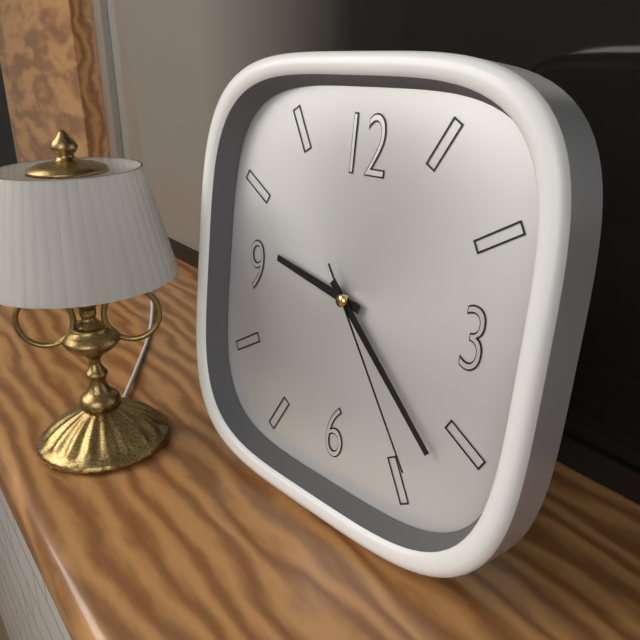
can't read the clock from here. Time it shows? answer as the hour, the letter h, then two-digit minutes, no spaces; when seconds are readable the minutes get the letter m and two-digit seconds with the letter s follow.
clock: 9h22m24s
